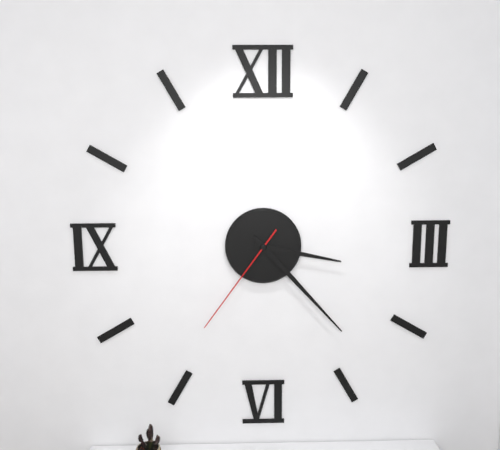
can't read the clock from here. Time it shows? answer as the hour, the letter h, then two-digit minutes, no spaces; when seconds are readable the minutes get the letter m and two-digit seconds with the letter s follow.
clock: 3h23m36s
